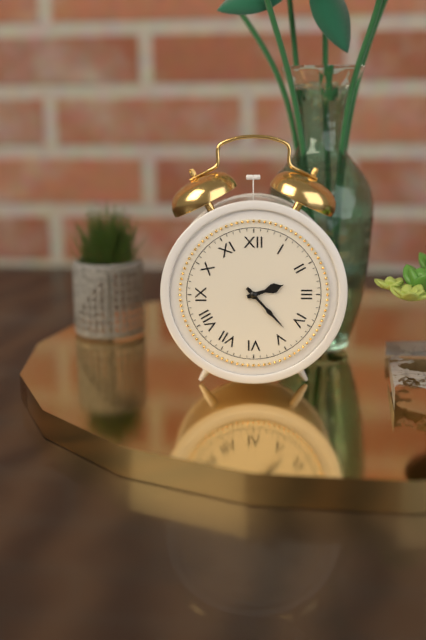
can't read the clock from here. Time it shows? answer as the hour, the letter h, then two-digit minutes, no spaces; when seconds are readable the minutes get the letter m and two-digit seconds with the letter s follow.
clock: 2h23
